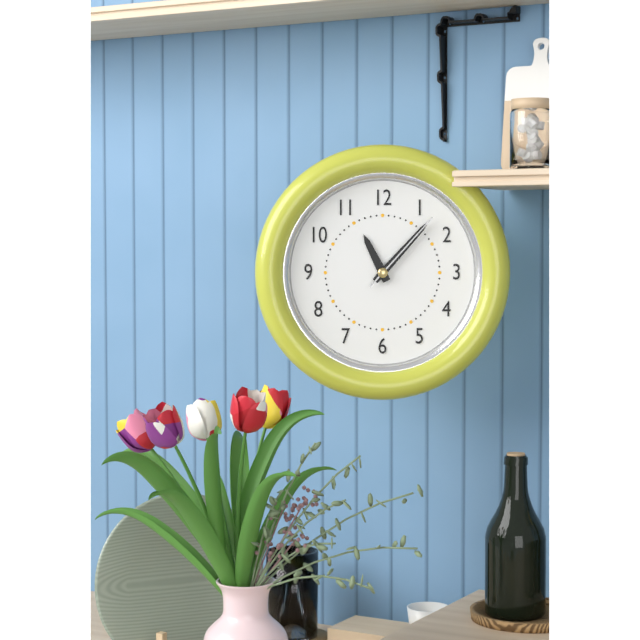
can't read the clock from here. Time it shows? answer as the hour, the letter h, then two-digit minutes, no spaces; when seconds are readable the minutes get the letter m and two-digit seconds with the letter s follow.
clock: 11h07m07s
